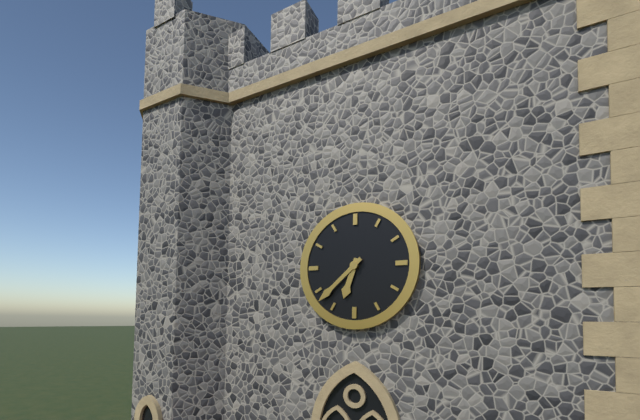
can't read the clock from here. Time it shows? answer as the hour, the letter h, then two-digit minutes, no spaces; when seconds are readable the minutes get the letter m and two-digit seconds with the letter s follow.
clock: 6h38
